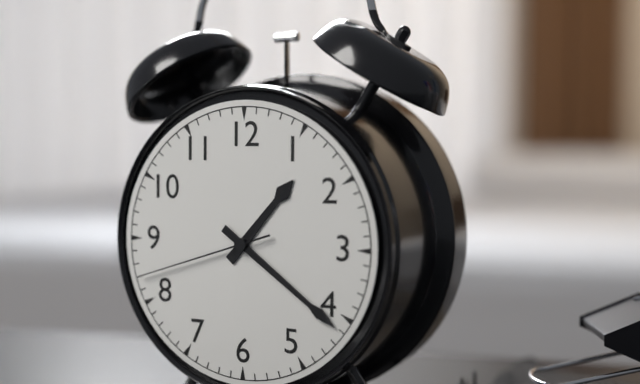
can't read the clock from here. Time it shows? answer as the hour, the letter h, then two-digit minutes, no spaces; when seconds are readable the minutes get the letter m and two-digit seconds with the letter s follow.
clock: 1h21m42s
